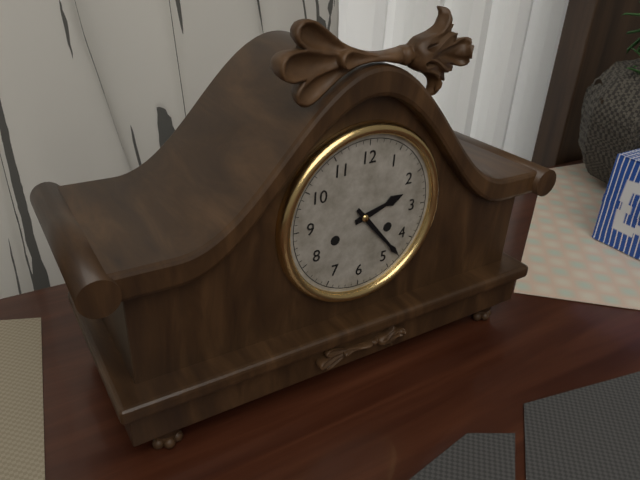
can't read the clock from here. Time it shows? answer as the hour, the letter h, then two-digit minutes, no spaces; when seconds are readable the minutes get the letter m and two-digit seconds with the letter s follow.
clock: 2h23
